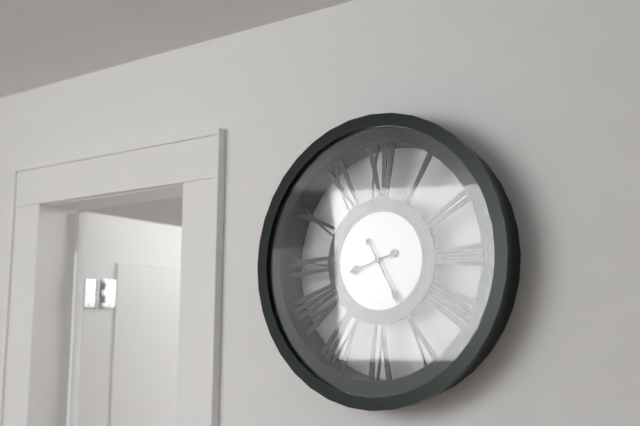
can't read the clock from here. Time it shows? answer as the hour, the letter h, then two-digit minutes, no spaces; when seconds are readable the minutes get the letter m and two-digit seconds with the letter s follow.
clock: 8h25
